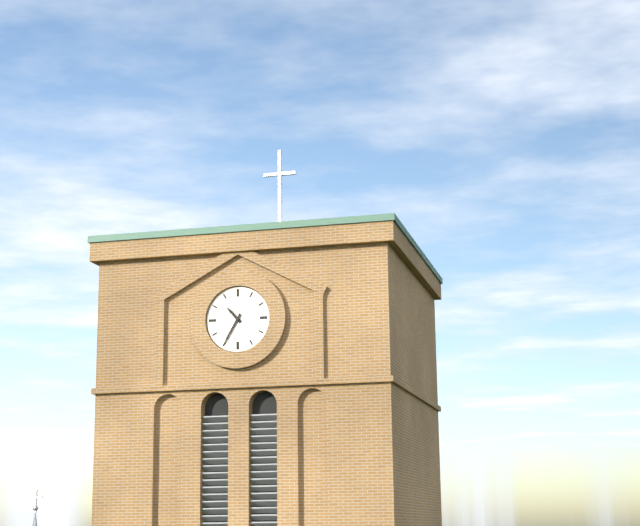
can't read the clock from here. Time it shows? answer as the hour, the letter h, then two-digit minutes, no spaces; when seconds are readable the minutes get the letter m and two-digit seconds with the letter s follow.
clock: 10h35
